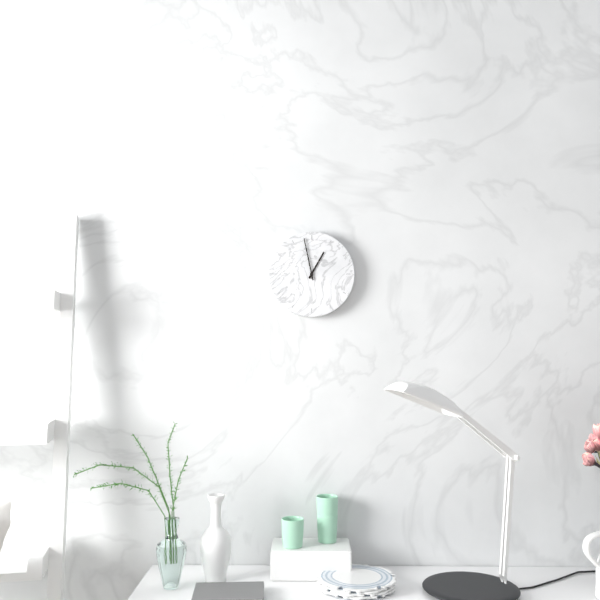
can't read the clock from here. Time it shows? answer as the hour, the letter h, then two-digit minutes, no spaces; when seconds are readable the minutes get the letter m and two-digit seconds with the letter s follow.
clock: 12h58
